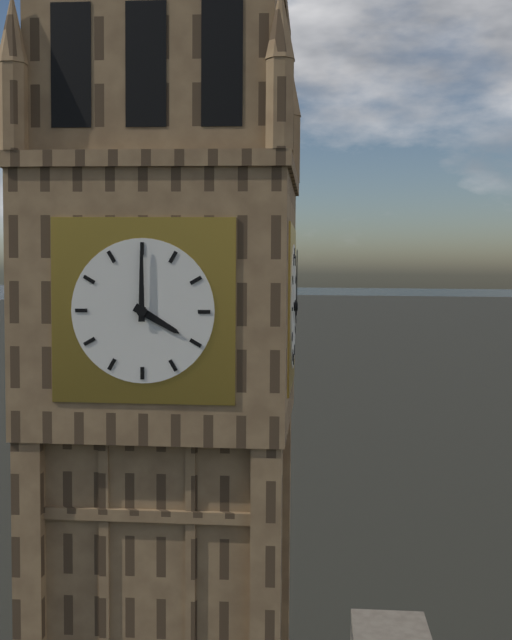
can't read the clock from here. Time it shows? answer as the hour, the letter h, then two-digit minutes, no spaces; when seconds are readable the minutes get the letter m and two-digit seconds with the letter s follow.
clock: 4h00
